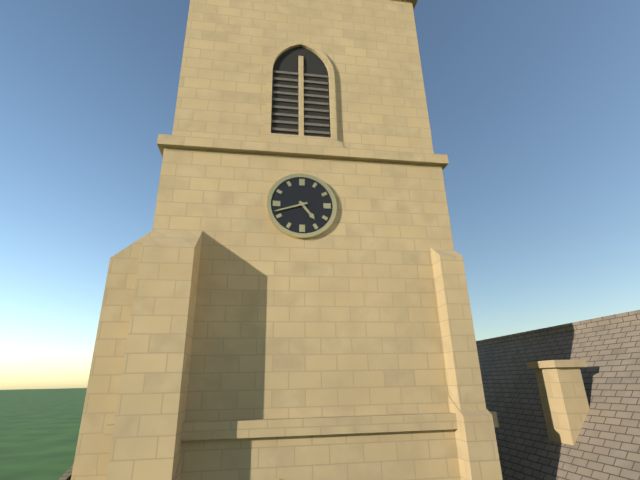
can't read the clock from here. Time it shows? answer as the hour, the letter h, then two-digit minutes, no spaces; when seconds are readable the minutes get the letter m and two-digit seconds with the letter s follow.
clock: 4h42
